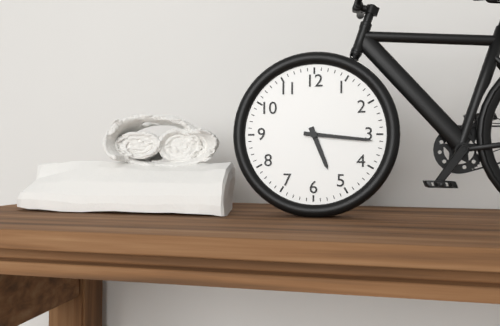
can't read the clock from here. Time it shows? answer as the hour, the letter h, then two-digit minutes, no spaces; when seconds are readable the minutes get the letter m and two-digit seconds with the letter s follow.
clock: 5h16
